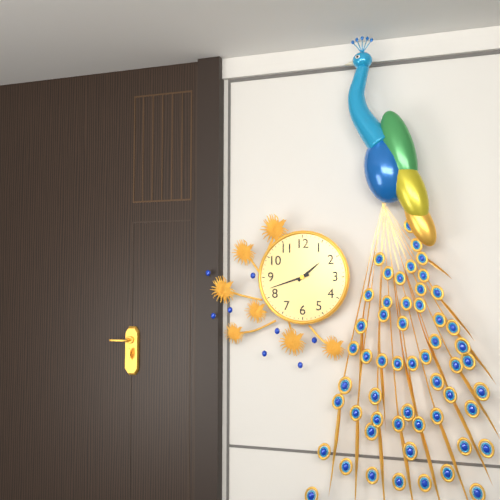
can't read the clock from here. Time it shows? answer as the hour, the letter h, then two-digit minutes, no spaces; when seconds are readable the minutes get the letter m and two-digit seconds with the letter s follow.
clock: 1h42
